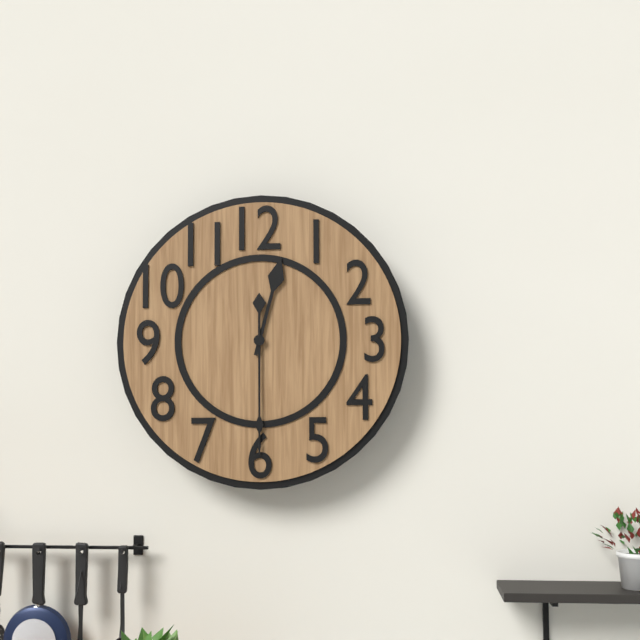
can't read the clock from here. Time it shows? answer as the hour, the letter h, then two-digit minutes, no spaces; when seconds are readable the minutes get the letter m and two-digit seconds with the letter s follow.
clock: 12h30
